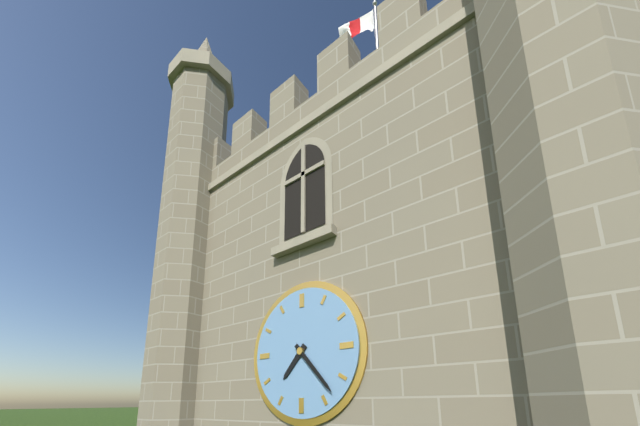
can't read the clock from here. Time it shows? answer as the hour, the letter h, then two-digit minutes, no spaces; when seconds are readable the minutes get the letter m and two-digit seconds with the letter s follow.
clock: 7h23
